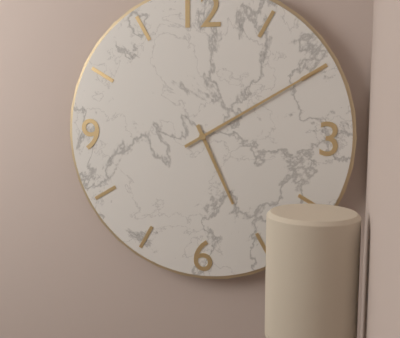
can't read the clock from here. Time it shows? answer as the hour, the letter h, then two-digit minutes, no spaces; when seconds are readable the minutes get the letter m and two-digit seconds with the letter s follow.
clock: 5h10
